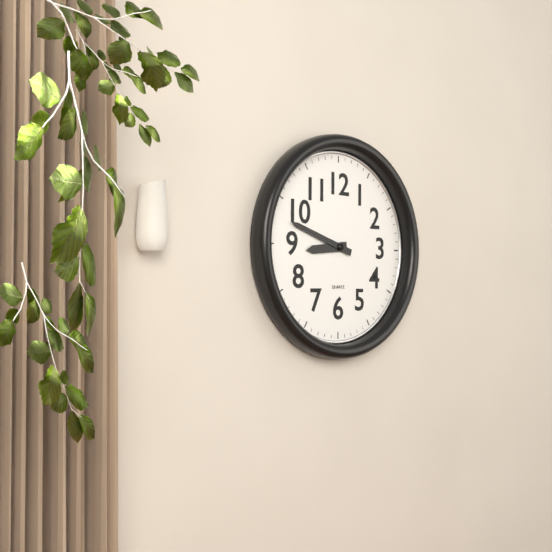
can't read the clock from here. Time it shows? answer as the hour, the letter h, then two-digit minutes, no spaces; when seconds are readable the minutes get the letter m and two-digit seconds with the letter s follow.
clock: 8h48
